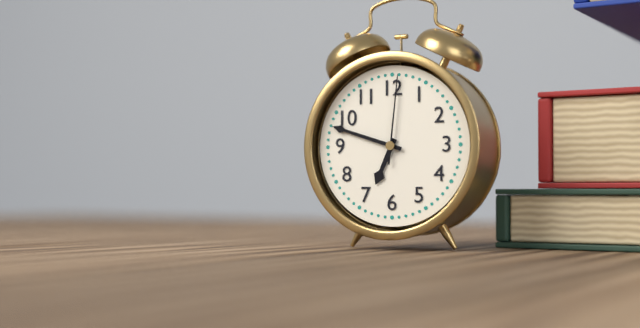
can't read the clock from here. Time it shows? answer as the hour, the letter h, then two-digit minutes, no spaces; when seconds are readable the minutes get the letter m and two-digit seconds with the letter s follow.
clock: 6h48m01s
